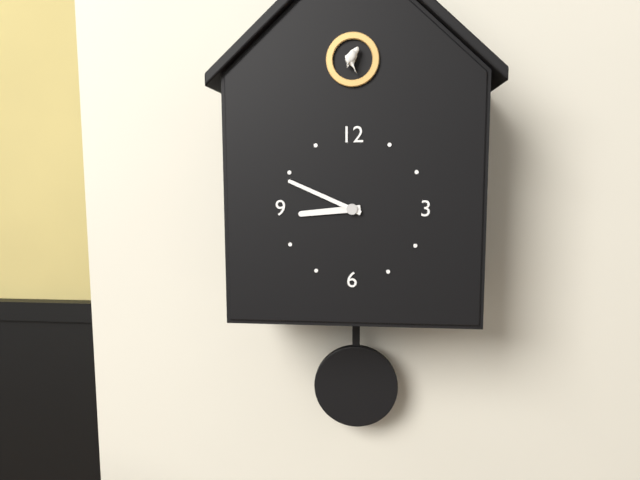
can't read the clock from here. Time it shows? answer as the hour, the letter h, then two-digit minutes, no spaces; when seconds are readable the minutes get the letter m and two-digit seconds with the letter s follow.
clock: 8h49
